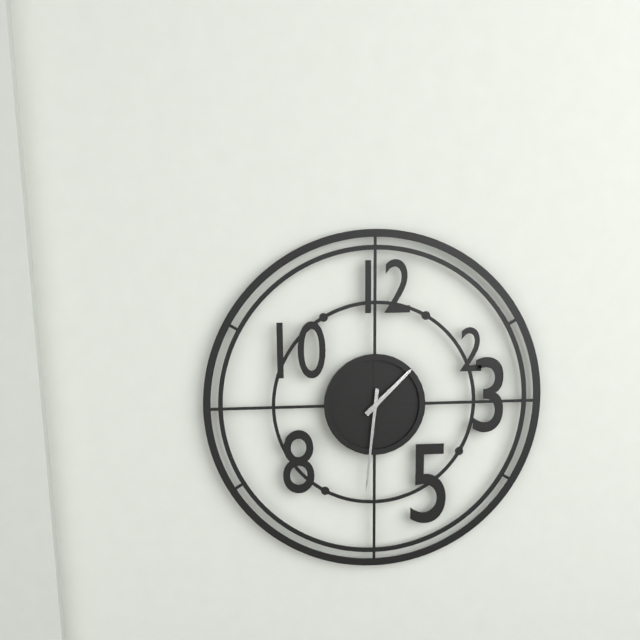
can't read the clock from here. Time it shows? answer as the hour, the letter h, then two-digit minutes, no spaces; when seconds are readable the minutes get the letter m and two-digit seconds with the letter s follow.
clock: 1h31
